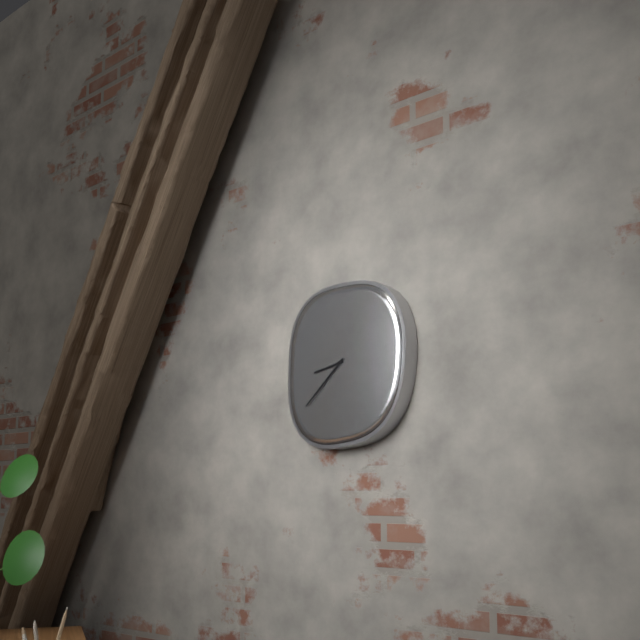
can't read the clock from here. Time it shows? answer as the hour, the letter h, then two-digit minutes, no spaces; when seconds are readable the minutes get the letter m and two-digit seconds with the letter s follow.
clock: 8h38
